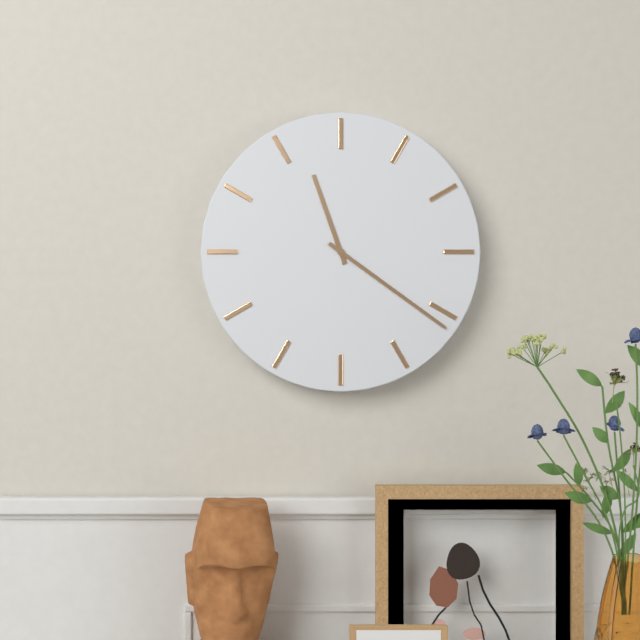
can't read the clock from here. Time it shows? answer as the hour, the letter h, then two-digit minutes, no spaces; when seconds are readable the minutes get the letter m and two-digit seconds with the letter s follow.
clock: 11h21
